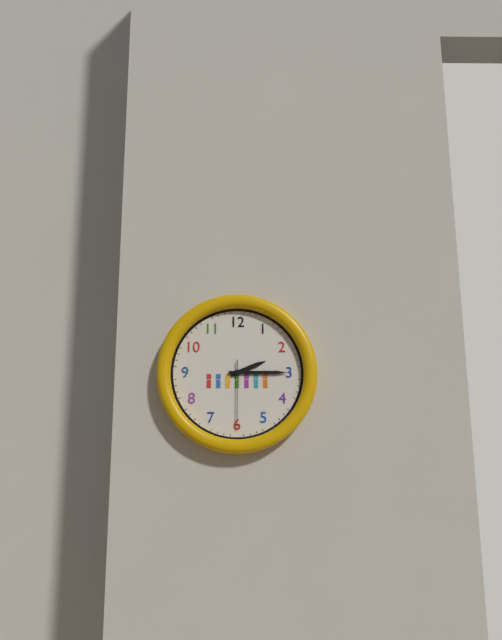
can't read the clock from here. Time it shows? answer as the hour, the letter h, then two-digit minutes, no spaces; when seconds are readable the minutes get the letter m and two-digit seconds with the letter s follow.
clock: 2h15m30s
